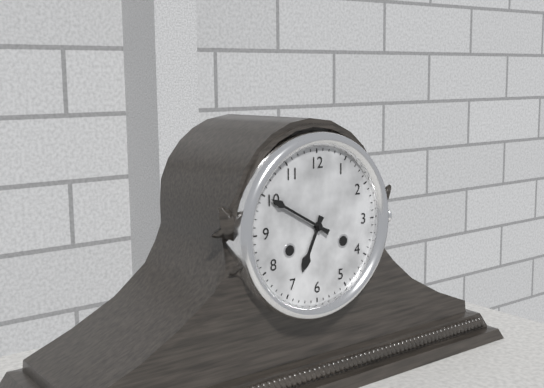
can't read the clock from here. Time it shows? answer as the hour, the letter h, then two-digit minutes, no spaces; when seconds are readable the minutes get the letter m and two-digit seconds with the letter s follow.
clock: 6h50
